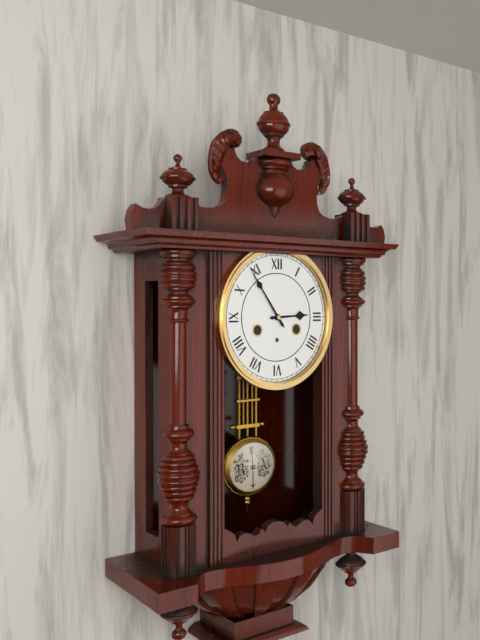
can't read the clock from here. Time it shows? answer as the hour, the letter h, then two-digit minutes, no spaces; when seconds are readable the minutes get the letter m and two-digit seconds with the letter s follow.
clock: 2h54
